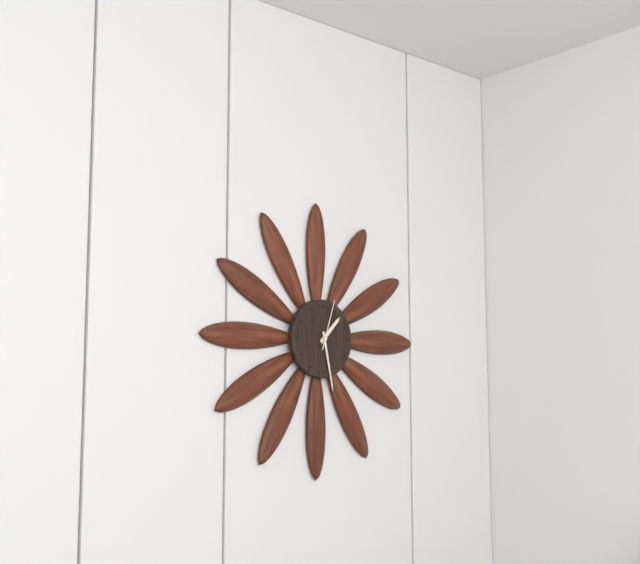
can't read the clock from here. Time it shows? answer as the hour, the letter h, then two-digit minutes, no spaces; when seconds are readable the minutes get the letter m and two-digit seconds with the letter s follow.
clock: 1h28m03s
